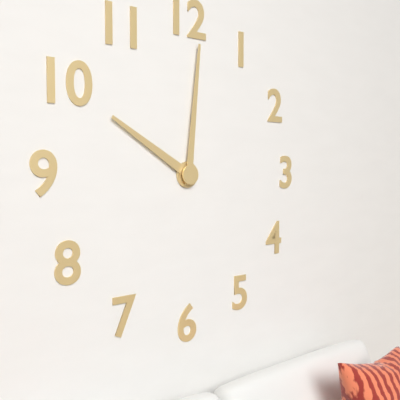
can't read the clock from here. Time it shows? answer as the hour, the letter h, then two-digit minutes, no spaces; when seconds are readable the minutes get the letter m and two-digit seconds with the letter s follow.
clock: 10h01
